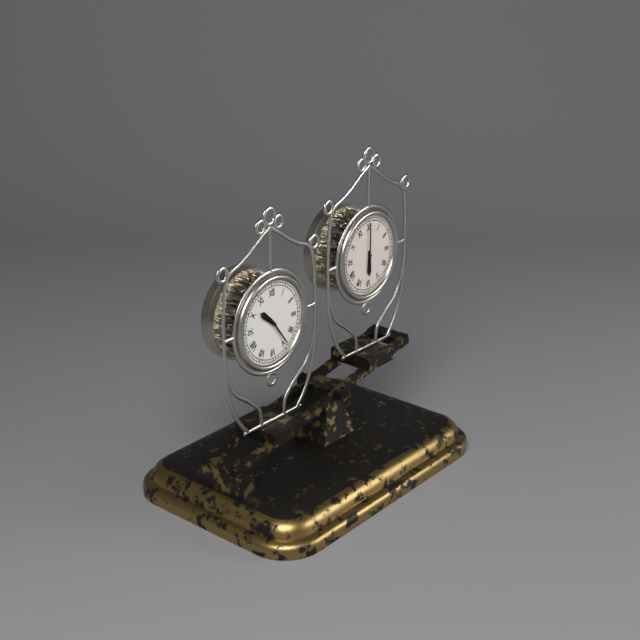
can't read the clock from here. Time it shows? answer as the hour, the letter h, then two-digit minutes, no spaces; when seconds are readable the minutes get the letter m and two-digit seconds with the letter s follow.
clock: 10h24
